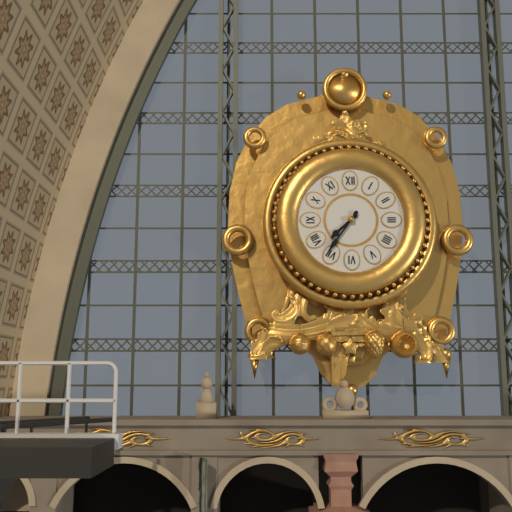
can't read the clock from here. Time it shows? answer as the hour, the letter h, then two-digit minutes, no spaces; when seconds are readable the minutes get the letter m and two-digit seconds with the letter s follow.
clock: 7h36
